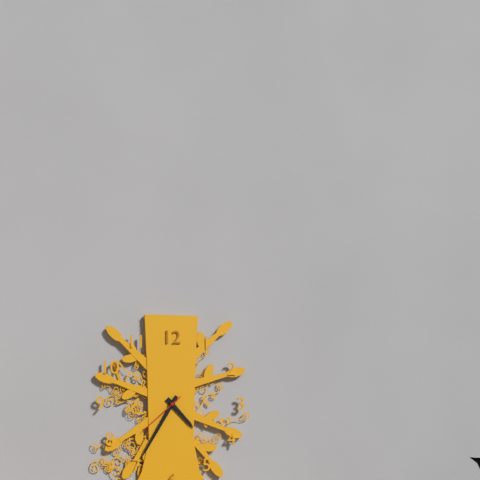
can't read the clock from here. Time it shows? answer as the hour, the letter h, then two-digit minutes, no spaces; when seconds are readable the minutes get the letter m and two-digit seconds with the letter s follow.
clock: 4h35m38s
